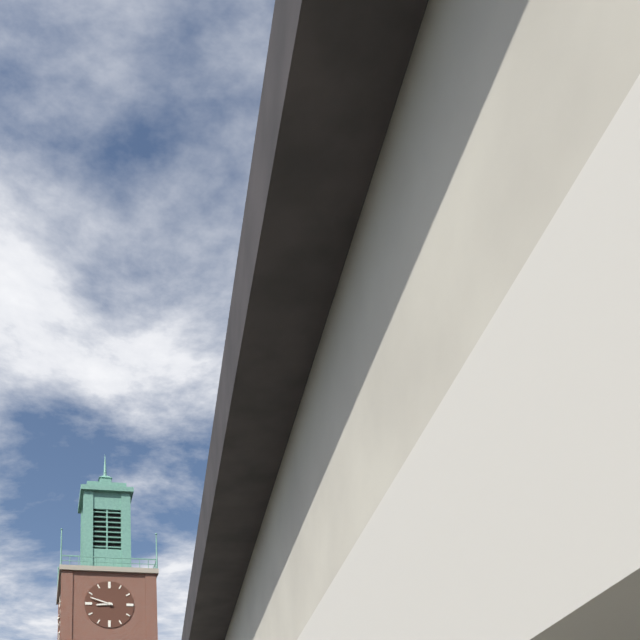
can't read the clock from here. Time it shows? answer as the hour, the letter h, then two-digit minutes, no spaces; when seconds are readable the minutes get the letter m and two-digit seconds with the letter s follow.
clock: 8h48
